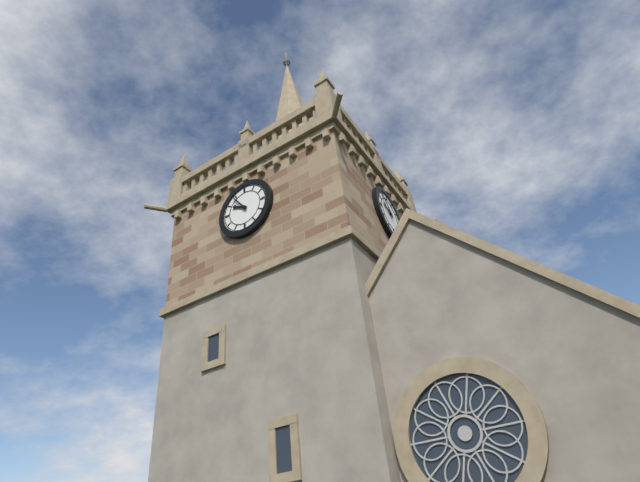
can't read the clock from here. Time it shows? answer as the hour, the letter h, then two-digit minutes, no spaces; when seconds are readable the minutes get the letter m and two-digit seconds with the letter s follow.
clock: 9h54
